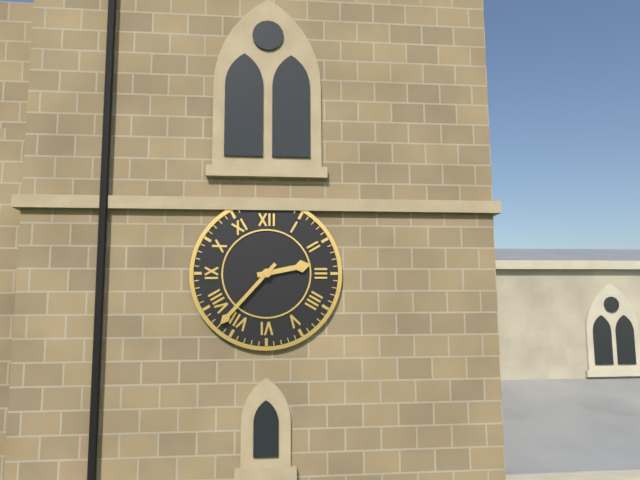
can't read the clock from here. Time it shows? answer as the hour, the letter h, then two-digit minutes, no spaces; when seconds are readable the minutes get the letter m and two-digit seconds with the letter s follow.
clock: 2h37
